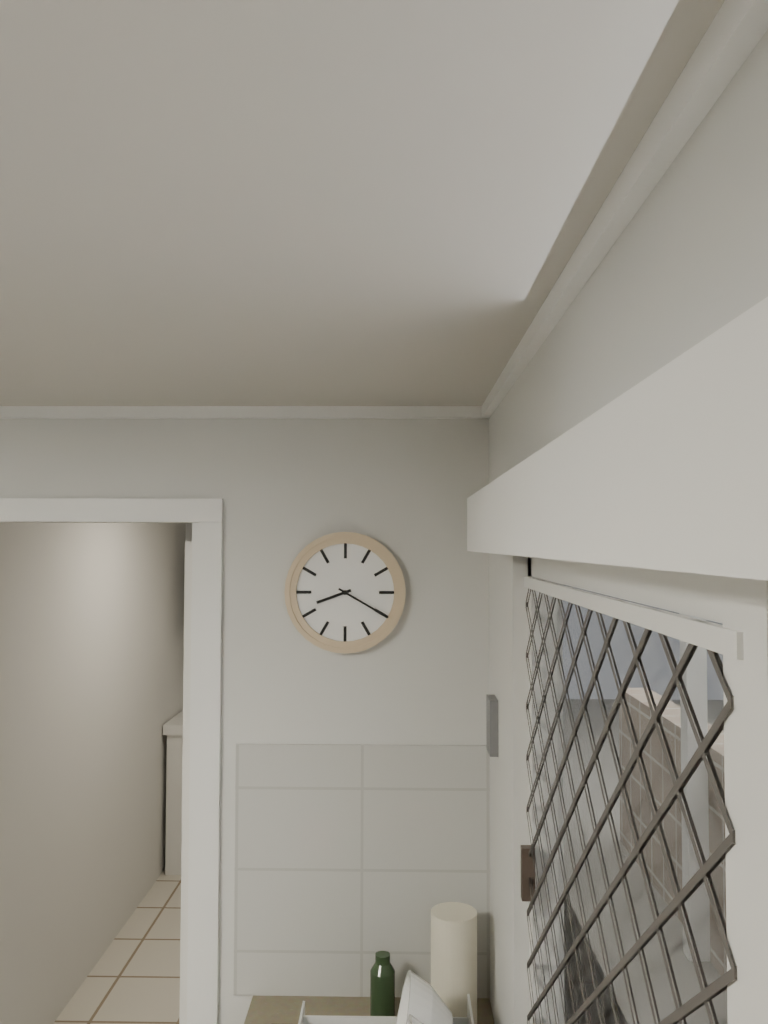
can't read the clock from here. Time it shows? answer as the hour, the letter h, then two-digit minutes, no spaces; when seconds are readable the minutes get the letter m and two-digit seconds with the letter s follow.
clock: 8h20
